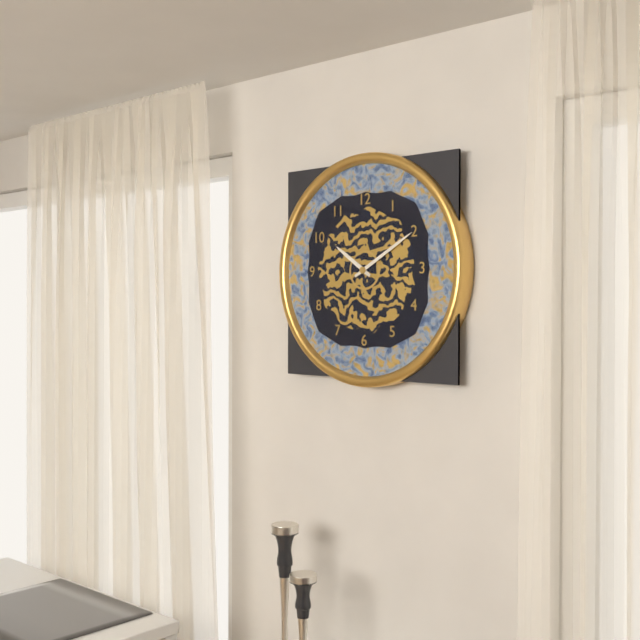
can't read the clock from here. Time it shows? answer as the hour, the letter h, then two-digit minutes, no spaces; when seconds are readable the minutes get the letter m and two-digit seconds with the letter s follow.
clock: 10h10
